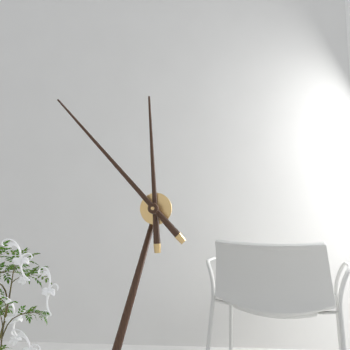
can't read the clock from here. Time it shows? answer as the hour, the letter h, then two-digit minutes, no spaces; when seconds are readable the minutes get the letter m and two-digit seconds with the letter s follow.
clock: 11h53
